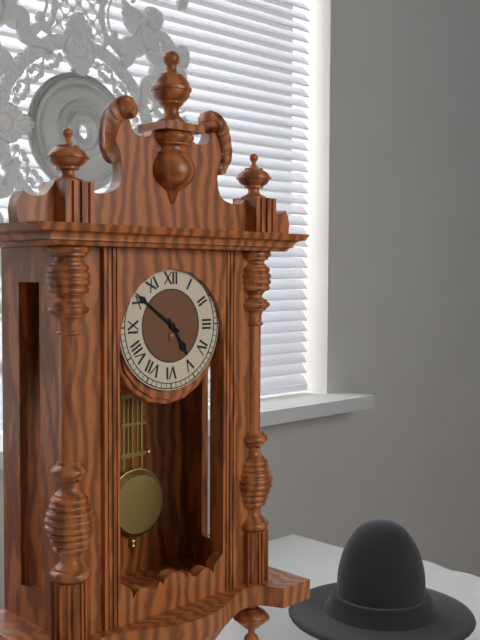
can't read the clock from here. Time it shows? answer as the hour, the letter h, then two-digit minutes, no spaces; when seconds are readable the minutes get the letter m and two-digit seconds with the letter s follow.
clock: 4h51
